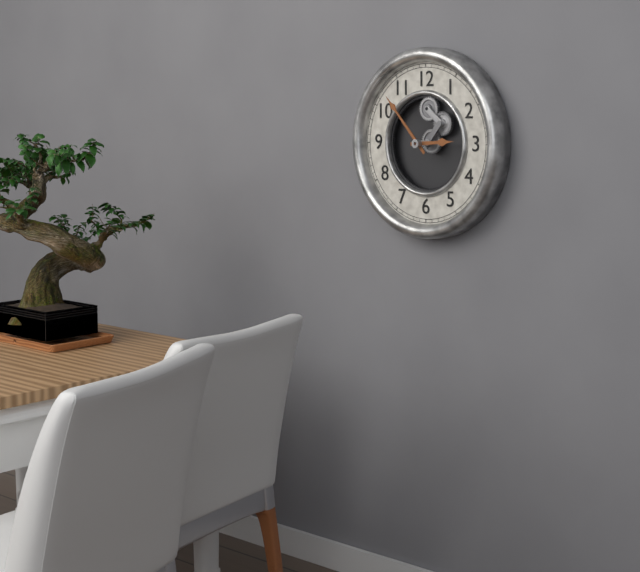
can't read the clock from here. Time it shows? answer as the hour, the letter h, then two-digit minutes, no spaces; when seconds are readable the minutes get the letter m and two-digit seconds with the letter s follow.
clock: 2h53
